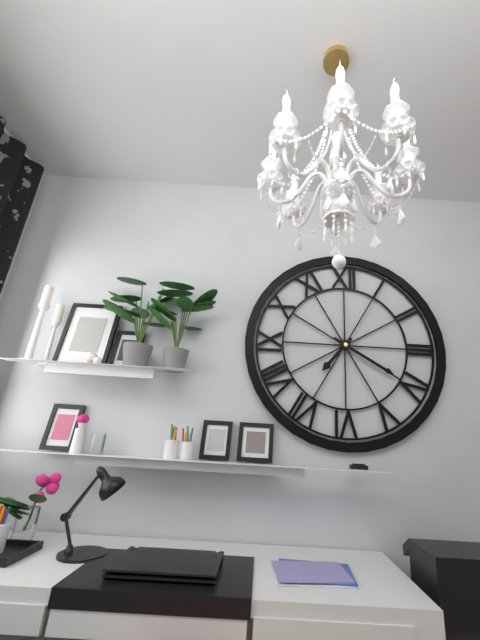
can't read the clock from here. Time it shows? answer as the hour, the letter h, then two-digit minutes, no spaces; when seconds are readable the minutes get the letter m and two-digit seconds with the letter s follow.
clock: 7h20
